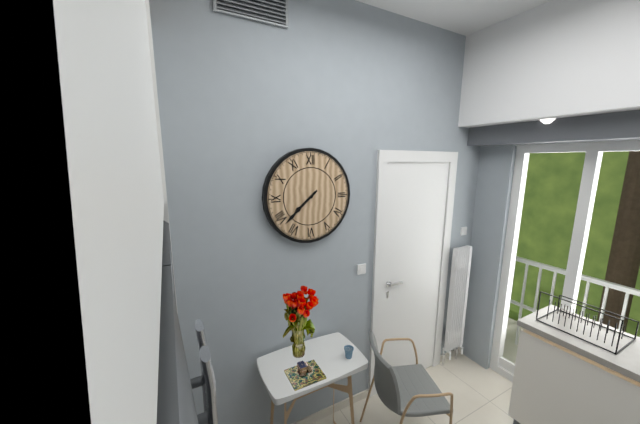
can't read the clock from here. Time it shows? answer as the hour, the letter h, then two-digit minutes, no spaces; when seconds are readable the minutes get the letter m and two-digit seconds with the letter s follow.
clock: 7h38
